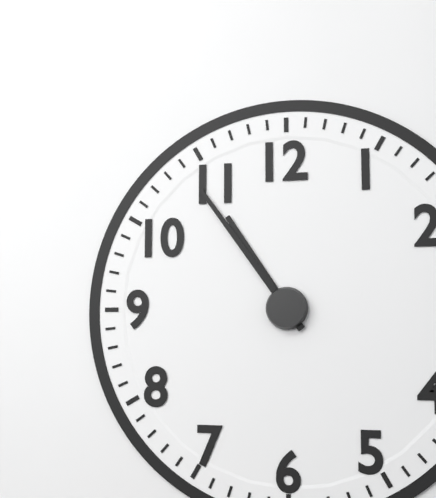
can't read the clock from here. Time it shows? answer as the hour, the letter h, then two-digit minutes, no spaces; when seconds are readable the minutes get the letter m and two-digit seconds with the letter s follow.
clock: 10h54
